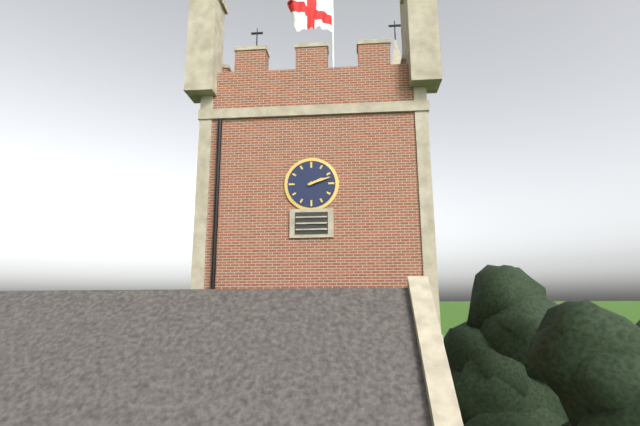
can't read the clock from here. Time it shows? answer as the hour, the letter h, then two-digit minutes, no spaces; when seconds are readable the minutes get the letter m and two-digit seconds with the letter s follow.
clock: 2h12
